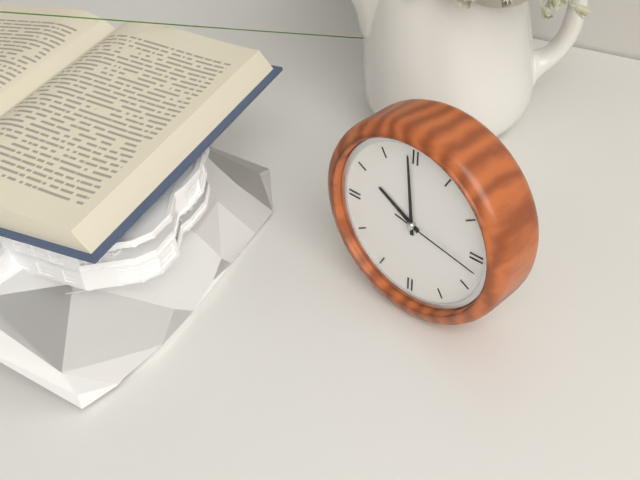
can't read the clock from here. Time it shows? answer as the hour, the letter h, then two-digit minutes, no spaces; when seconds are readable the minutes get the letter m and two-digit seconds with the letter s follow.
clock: 9h59m17s
